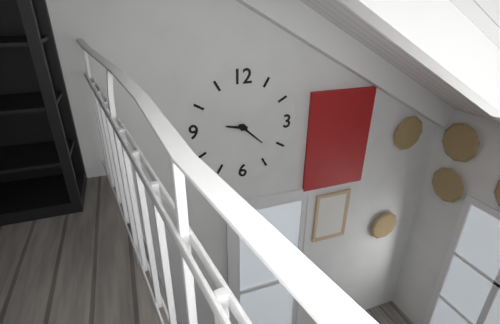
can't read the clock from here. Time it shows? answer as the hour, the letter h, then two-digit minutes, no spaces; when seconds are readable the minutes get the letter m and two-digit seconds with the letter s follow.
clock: 9h22
